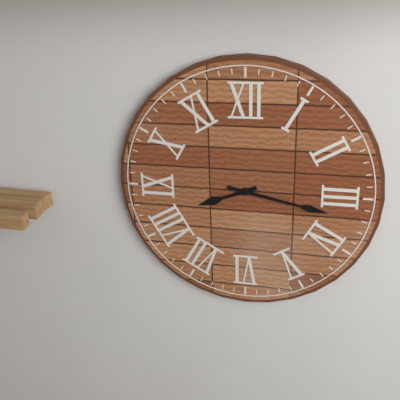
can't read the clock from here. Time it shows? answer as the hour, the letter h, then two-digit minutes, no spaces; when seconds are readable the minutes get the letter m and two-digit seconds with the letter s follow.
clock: 8h17
